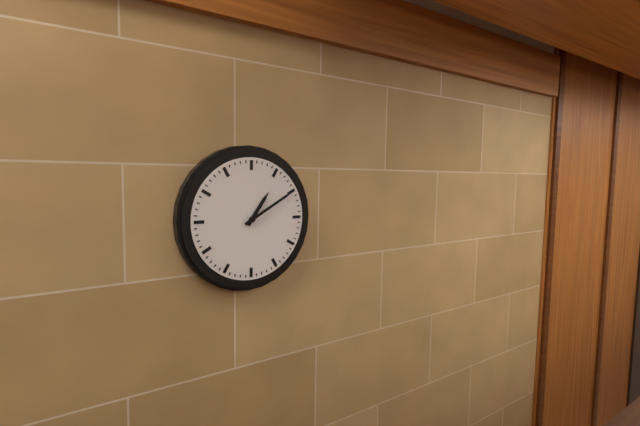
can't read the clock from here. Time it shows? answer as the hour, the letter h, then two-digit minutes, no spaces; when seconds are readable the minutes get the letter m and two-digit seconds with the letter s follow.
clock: 1h10
